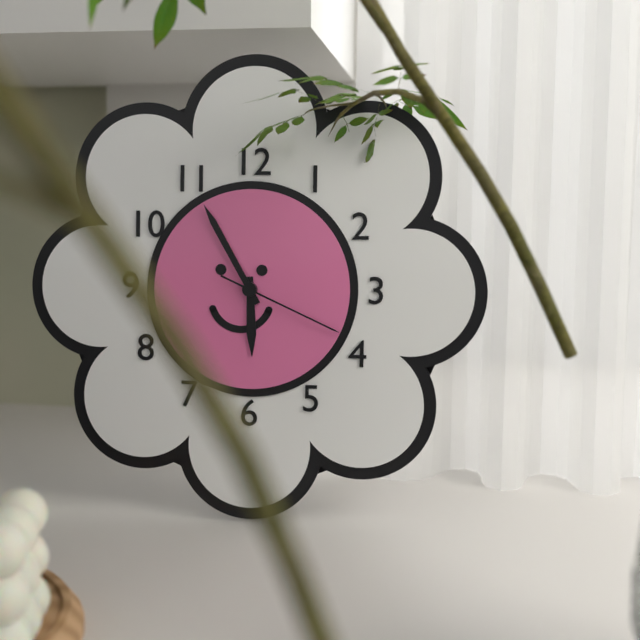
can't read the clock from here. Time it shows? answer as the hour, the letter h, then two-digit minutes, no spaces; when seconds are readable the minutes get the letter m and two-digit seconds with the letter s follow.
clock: 5h55m19s
